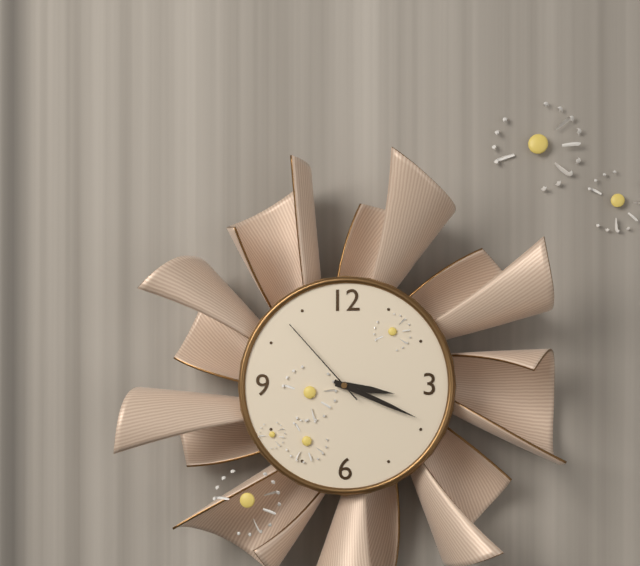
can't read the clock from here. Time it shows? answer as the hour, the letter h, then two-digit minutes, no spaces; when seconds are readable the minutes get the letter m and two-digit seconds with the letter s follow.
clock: 3h19m53s
